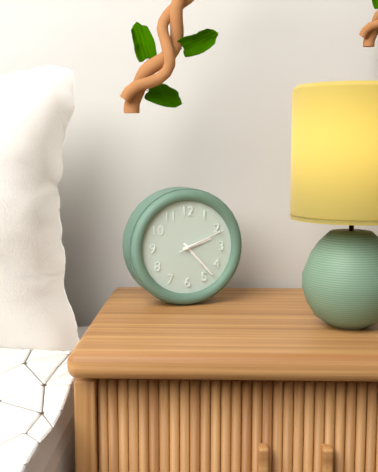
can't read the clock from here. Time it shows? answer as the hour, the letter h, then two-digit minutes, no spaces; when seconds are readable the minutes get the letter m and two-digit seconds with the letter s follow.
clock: 2h23
